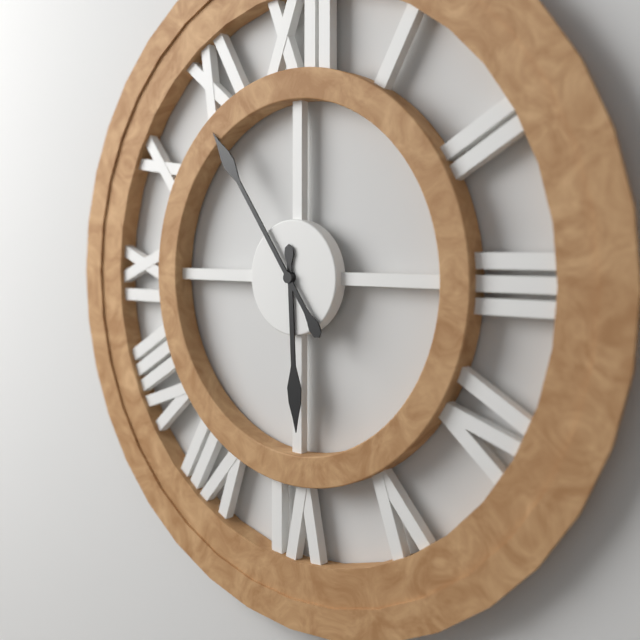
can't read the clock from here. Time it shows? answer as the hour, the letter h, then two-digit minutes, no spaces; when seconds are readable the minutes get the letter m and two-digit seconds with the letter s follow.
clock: 5h54
